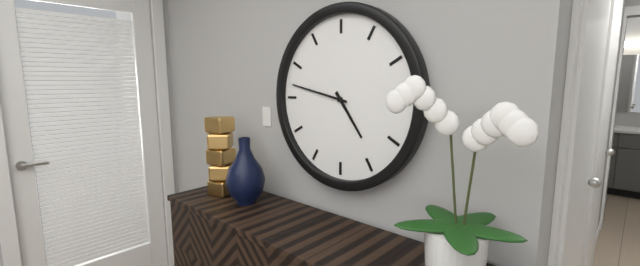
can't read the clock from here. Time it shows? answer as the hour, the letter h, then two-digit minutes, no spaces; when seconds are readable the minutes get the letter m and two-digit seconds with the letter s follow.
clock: 4h47
